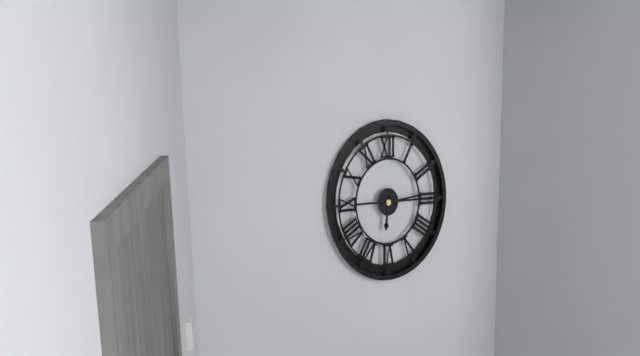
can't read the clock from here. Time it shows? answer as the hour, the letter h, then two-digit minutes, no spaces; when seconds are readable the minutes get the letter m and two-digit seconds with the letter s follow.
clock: 6h14
